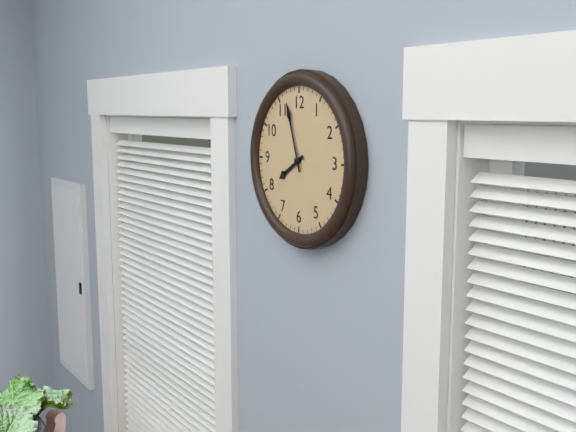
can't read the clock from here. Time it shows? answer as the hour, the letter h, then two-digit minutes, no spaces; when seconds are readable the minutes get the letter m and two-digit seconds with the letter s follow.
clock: 7h57
